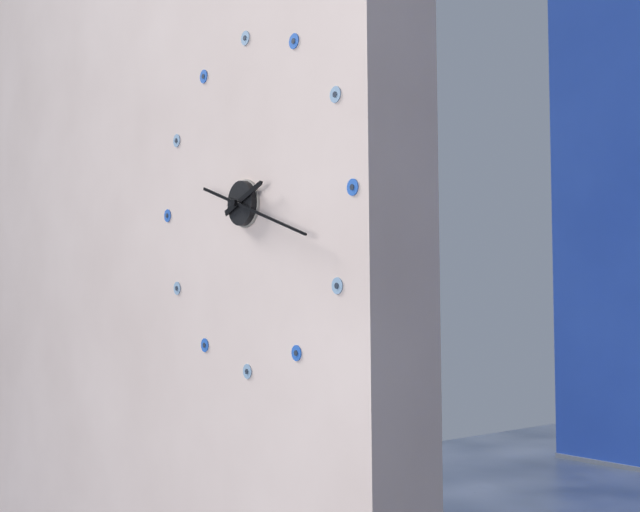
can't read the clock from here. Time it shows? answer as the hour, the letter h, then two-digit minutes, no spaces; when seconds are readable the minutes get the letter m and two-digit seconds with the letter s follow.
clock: 2h18
